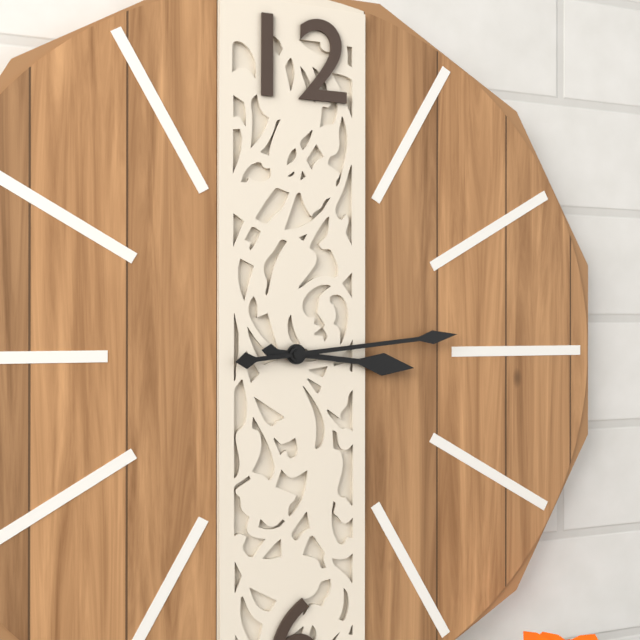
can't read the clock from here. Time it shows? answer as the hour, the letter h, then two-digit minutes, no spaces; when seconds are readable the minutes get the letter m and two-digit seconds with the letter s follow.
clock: 3h14
